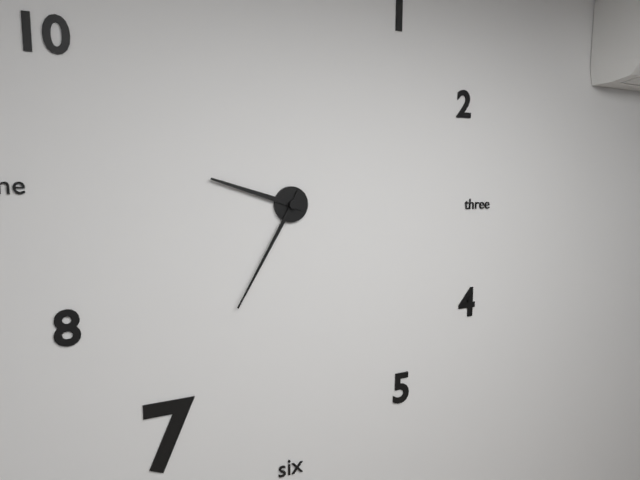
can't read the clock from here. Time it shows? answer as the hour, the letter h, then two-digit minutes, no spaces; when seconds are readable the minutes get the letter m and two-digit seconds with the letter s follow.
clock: 9h35
